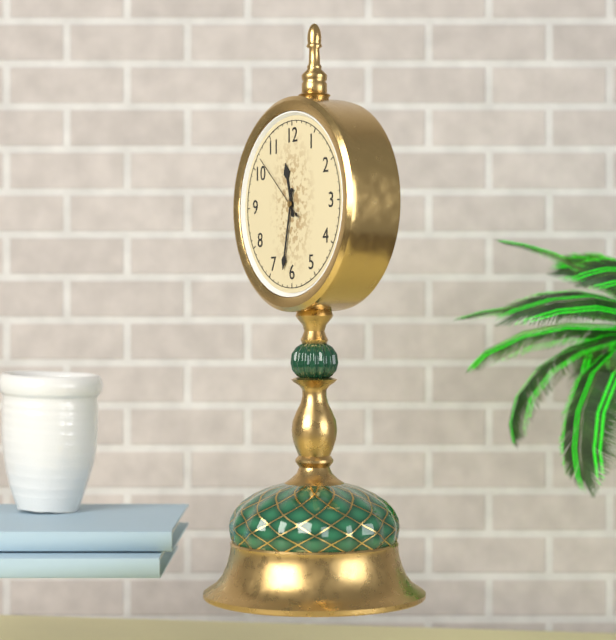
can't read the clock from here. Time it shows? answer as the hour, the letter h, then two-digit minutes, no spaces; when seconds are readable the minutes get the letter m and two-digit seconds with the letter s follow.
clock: 11h32m52s
